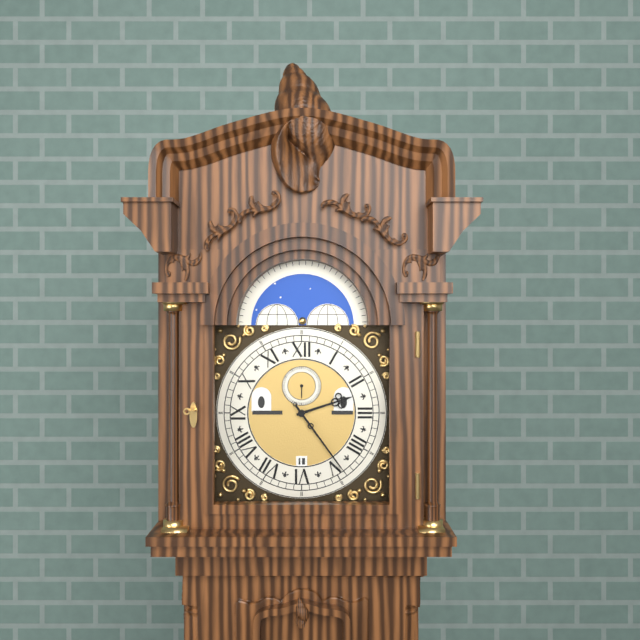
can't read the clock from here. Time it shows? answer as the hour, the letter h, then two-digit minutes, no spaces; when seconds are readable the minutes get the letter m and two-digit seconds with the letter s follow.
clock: 2h24
